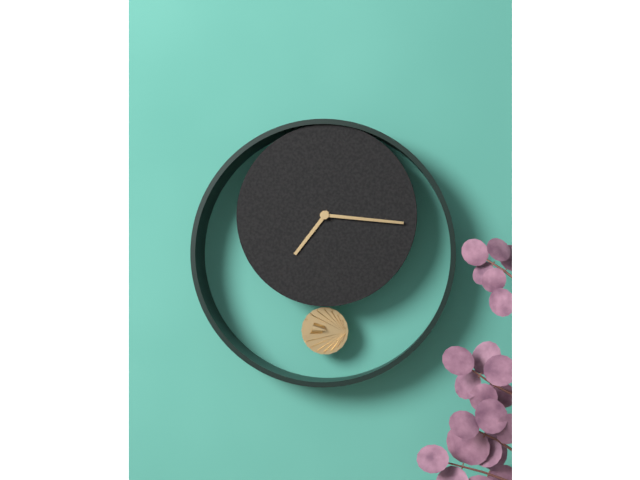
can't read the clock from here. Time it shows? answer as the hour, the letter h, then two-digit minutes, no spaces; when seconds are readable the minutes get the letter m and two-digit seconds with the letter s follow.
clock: 7h16
